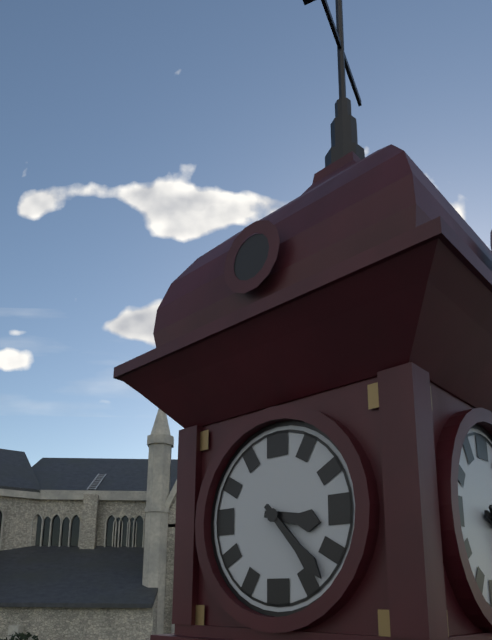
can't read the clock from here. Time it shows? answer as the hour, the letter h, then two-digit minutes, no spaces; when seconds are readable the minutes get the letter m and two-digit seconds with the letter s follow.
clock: 3h23
